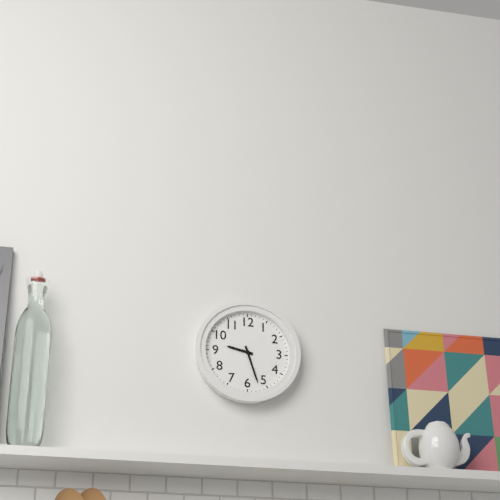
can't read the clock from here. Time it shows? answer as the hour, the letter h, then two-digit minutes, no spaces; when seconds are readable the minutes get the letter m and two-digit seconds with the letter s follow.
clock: 9h27
